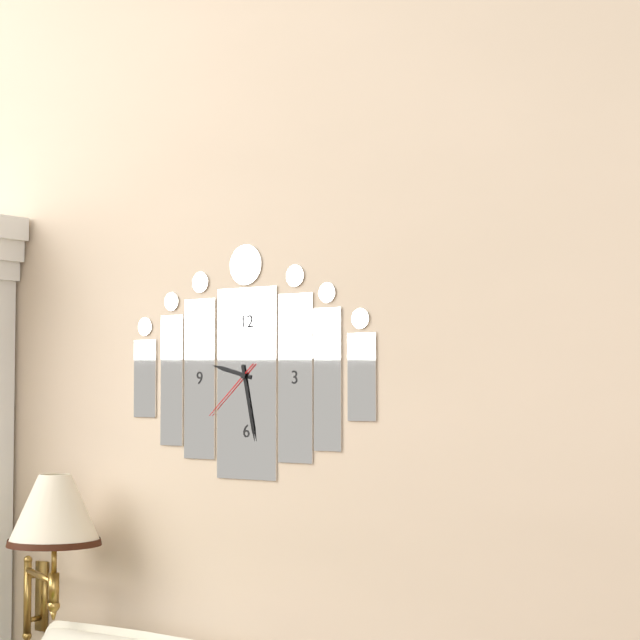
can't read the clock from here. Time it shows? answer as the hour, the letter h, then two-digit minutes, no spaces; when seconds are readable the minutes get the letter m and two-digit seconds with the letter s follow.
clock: 9h28m38s
